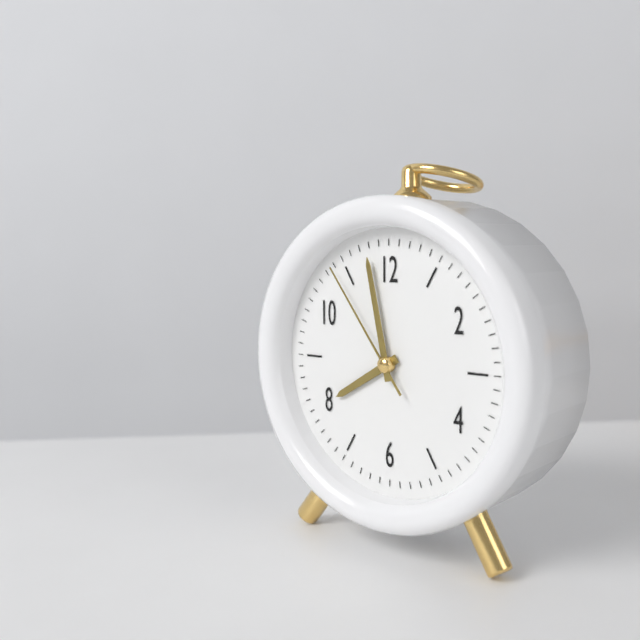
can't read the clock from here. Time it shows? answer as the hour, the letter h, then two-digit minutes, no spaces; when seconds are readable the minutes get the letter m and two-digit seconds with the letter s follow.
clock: 7h58m54s
